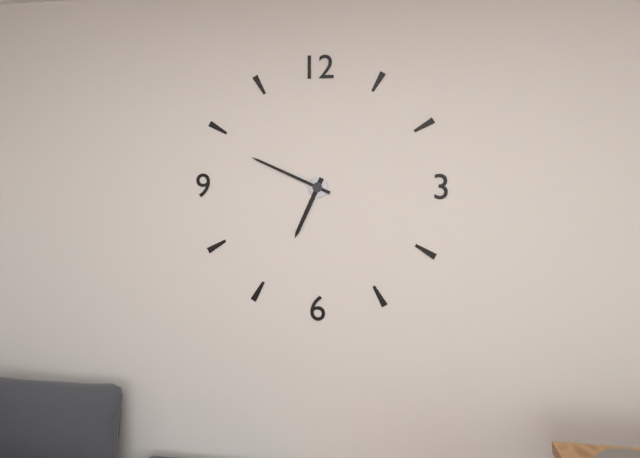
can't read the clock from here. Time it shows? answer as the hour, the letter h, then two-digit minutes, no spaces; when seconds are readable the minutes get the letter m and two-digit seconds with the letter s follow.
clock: 6h49
